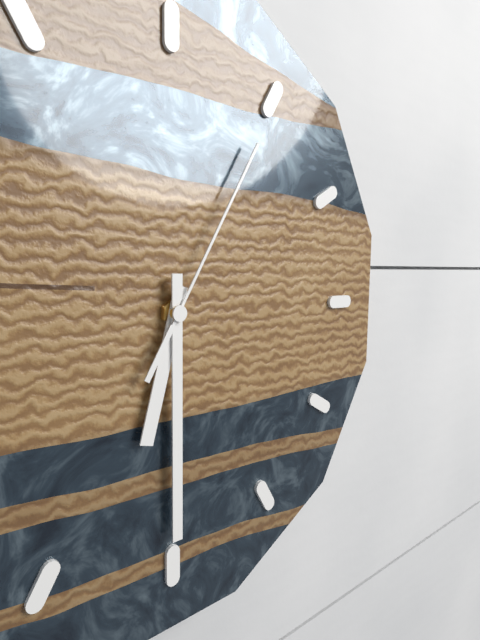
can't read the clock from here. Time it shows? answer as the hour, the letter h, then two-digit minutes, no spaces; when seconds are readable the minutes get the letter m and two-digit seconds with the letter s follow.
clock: 6h30m05s
